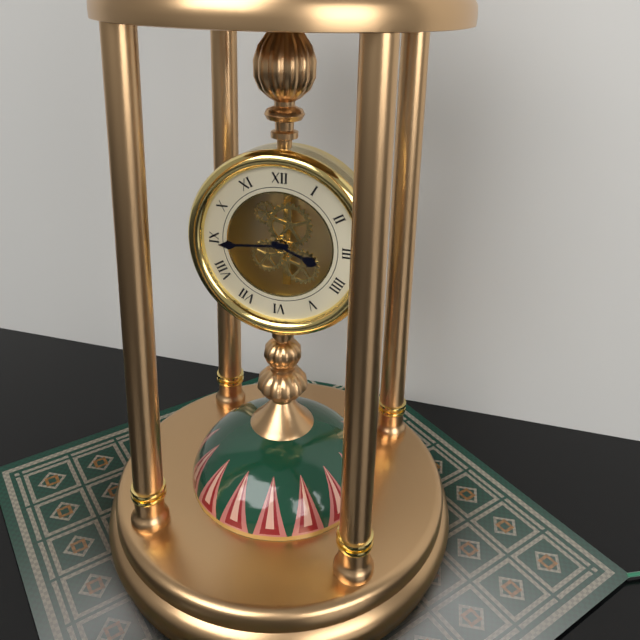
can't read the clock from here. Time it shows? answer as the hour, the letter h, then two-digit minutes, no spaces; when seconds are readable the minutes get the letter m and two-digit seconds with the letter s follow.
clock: 3h44
